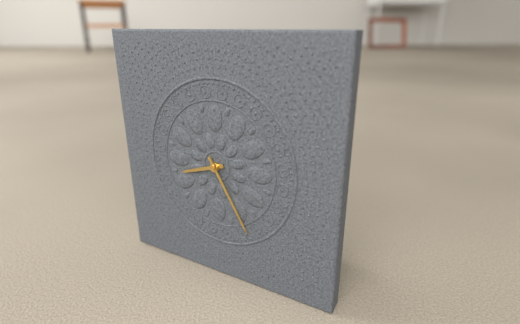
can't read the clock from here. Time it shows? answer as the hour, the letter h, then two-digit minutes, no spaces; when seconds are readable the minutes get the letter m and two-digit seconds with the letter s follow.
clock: 8h25
